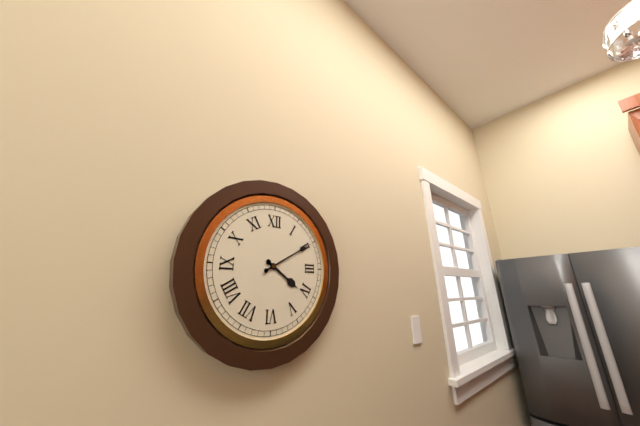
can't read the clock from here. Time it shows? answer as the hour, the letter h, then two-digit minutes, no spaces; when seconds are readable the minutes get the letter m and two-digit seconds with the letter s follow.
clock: 4h10
